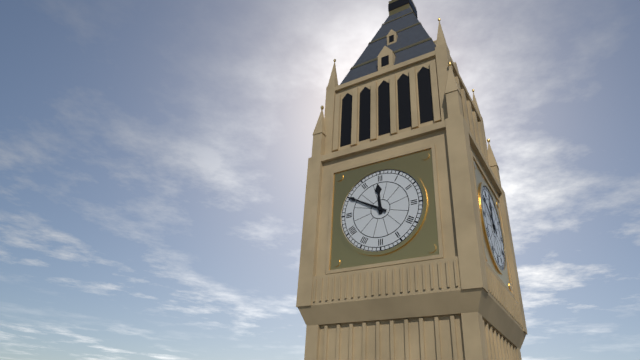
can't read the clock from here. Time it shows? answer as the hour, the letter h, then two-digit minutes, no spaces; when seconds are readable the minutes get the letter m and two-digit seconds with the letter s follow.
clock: 11h50
